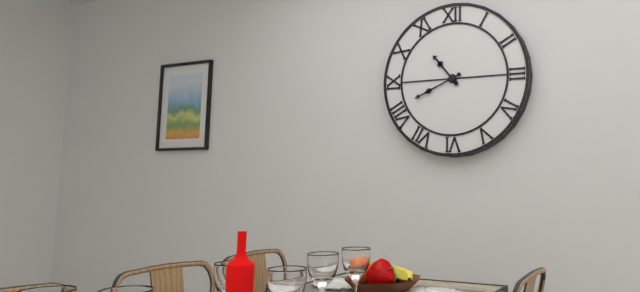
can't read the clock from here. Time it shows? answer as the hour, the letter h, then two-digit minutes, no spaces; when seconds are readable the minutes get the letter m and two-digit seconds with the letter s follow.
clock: 10h41
